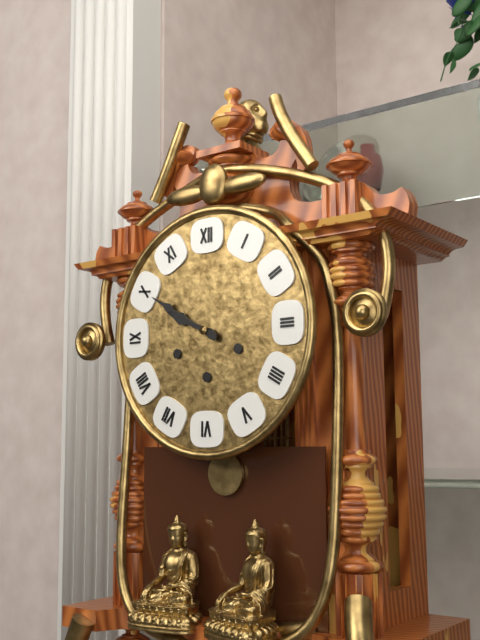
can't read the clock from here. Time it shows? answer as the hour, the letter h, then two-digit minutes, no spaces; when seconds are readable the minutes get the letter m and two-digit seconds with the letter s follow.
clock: 9h50
